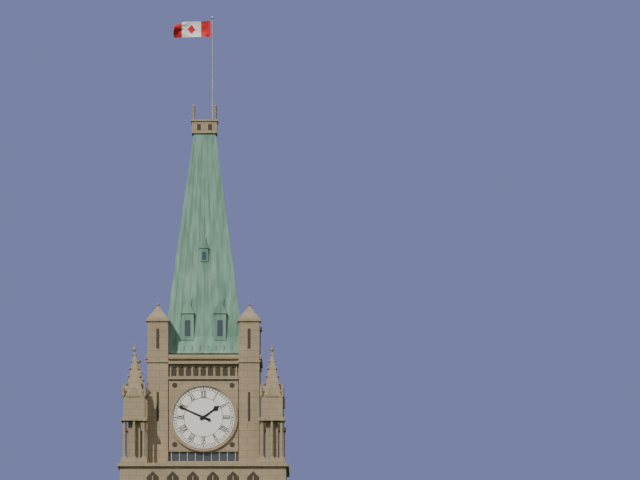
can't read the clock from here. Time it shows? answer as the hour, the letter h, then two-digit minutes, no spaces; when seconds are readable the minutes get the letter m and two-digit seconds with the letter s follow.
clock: 1h49
